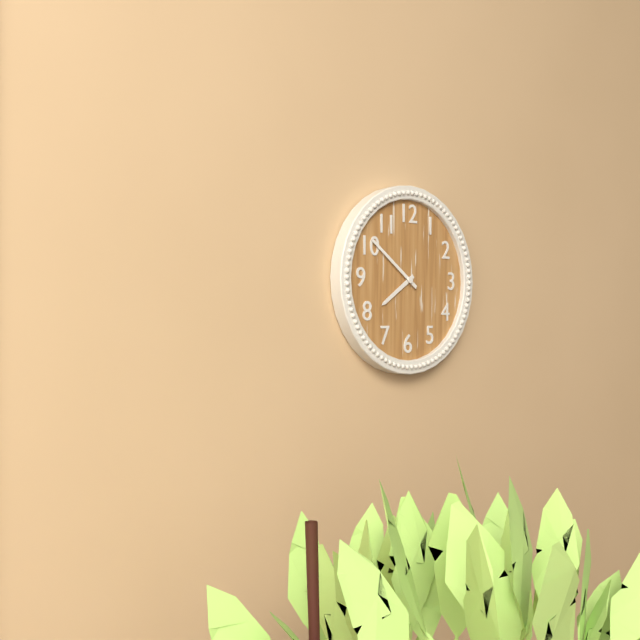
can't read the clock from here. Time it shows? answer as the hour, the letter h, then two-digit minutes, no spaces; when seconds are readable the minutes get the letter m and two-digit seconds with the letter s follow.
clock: 7h51
